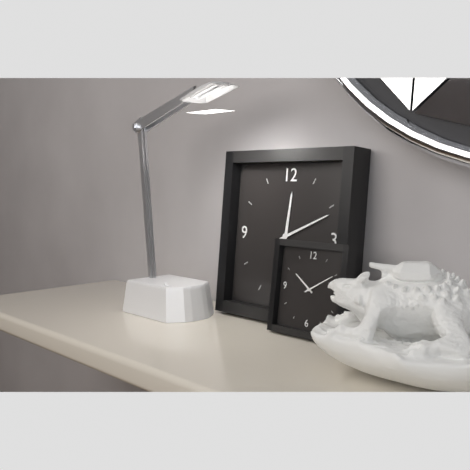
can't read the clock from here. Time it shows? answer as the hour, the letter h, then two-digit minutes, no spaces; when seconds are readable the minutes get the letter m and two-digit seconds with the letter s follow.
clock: 12h11
